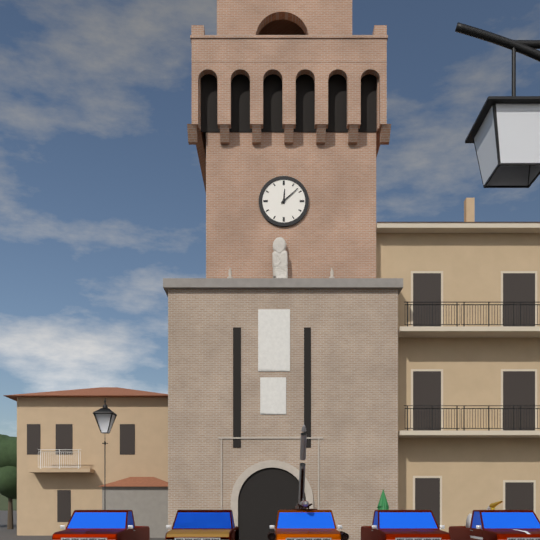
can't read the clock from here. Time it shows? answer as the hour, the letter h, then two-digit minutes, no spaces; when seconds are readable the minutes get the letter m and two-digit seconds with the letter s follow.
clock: 12h08
